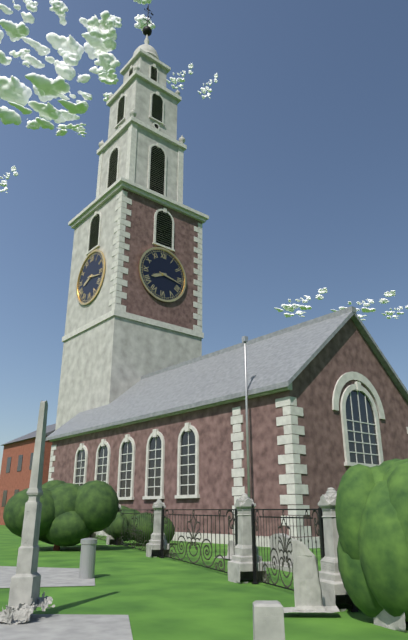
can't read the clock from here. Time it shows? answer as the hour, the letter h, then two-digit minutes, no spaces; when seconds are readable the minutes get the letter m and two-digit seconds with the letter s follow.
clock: 8h17
